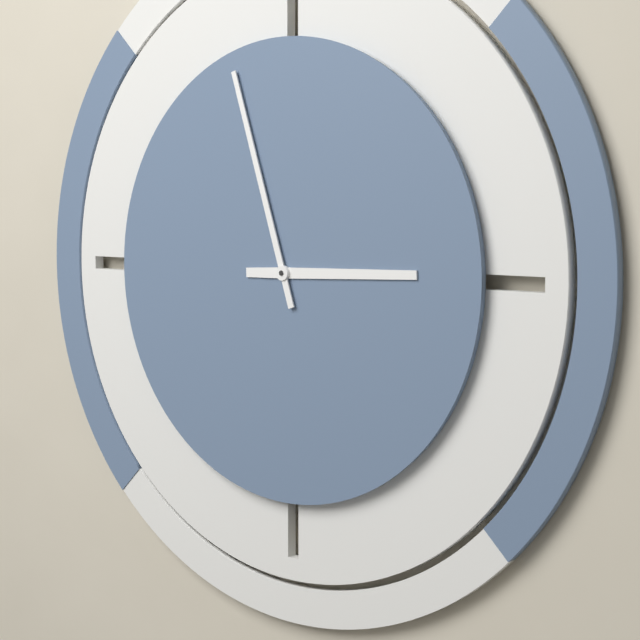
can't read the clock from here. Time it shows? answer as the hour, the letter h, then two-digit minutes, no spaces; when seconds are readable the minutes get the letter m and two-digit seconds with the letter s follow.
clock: 2h57
